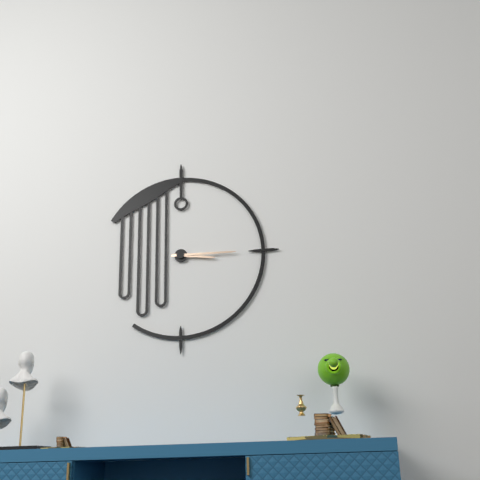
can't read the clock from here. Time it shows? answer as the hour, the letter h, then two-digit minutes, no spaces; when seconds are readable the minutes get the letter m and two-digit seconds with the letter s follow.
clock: 3h15
